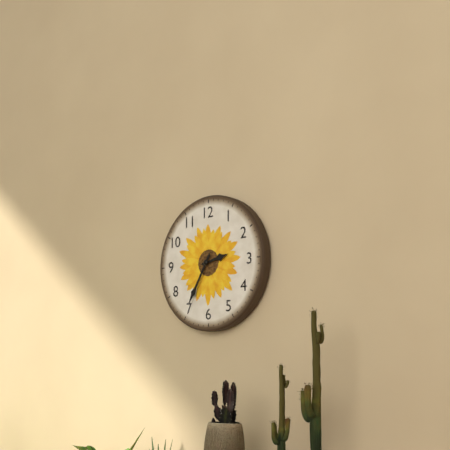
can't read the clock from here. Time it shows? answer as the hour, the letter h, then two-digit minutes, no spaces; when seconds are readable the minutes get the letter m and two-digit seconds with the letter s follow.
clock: 2h35
